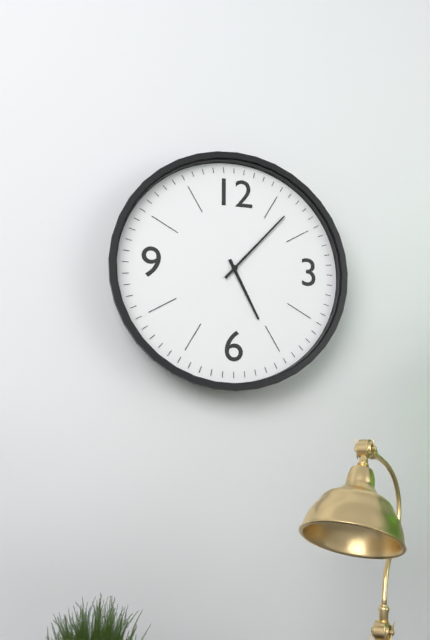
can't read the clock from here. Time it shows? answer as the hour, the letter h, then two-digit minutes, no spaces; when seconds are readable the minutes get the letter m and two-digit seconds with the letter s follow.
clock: 5h07
